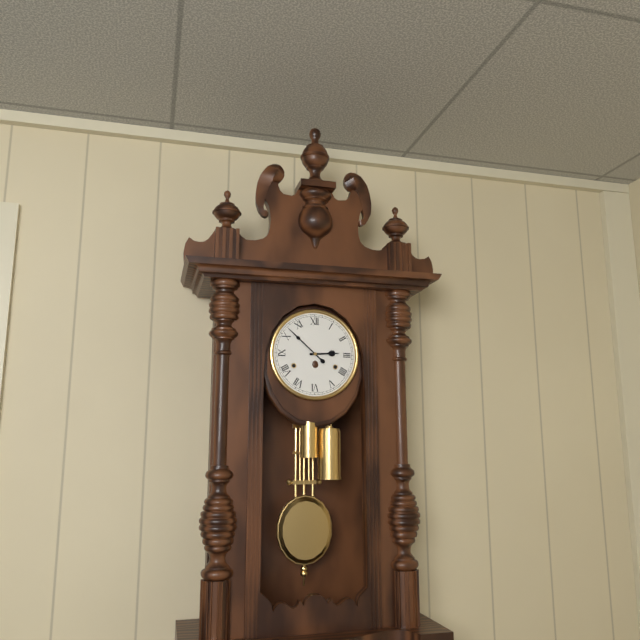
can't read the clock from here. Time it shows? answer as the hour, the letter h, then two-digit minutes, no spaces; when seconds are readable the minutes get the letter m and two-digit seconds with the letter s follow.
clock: 2h52
